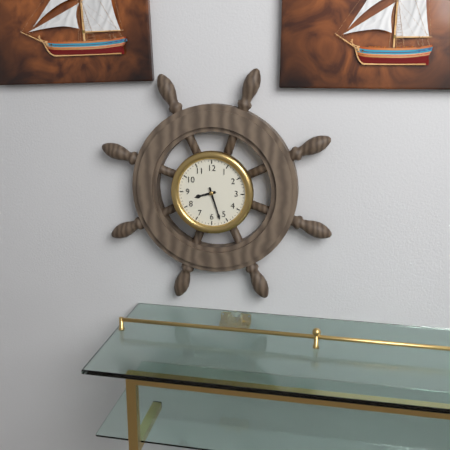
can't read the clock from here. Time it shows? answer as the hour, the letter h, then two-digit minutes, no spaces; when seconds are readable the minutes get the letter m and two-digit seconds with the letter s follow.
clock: 8h27
